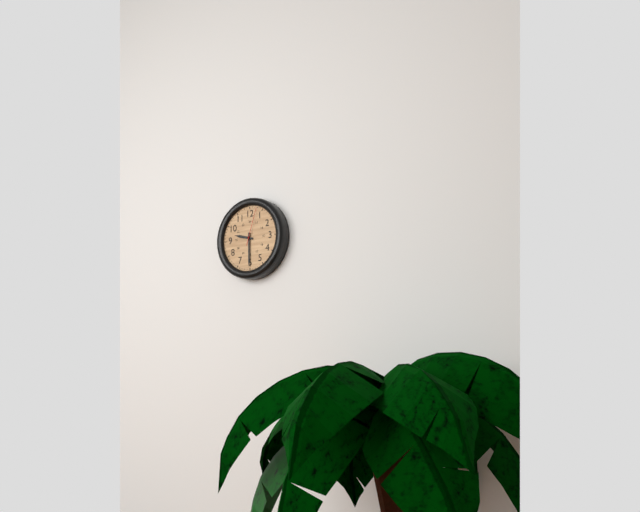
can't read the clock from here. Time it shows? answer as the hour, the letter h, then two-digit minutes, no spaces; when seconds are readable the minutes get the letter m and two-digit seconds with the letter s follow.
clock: 9h30
